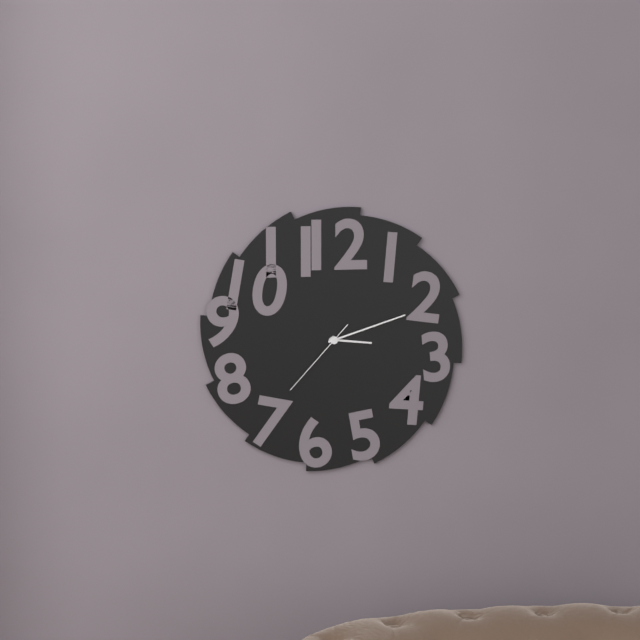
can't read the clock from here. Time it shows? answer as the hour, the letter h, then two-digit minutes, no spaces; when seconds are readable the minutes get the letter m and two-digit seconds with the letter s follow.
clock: 3h12m37s
